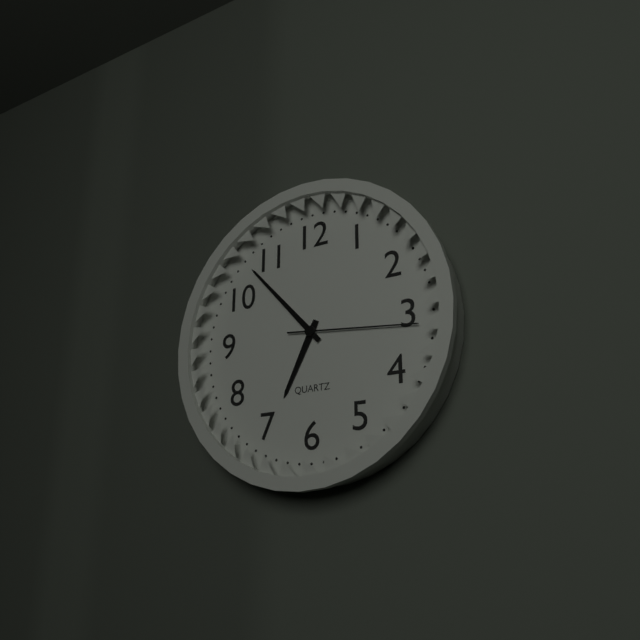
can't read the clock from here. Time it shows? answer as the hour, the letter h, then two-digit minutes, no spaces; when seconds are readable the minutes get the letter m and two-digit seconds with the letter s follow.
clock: 6h53m16s
